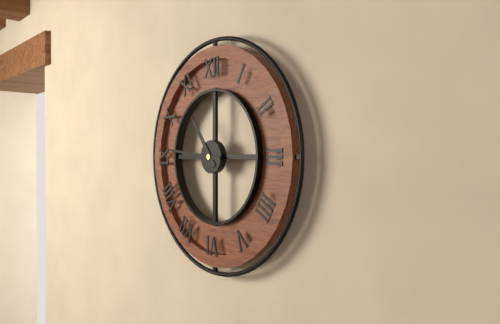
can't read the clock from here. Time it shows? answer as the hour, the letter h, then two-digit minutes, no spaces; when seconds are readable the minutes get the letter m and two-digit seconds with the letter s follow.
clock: 10h46
